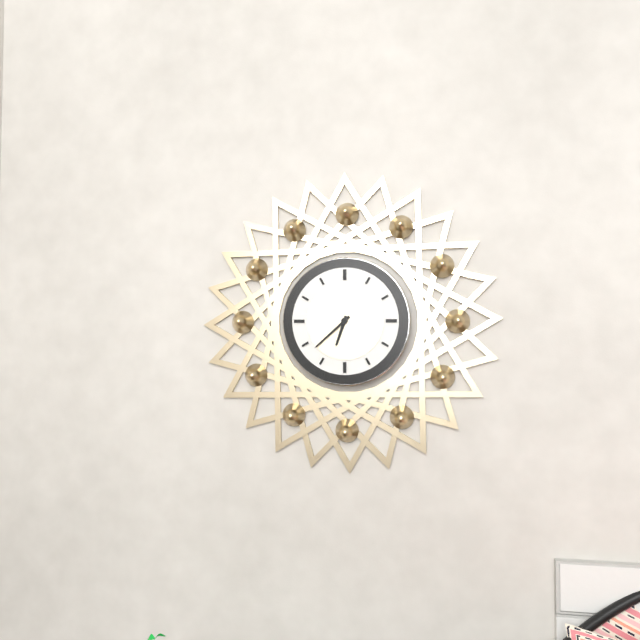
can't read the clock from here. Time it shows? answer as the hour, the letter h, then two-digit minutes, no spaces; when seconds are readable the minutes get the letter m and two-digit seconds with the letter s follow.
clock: 6h38
